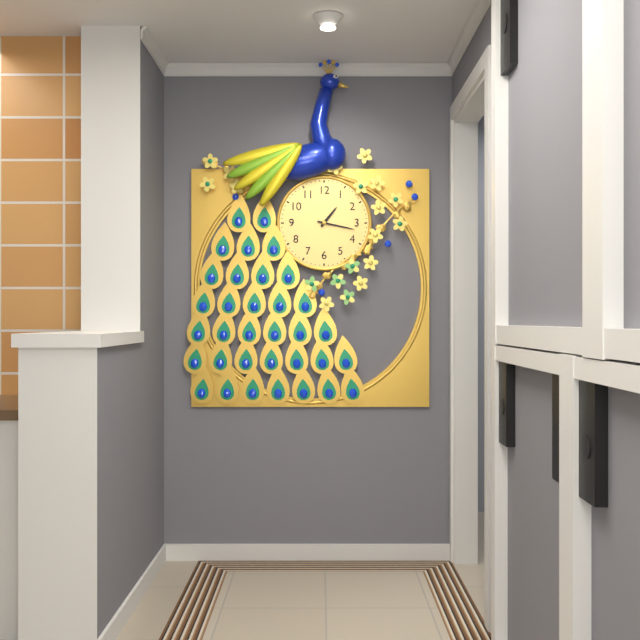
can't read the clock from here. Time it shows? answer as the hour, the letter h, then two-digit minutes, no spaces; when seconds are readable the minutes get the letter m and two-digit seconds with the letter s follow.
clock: 1h17
